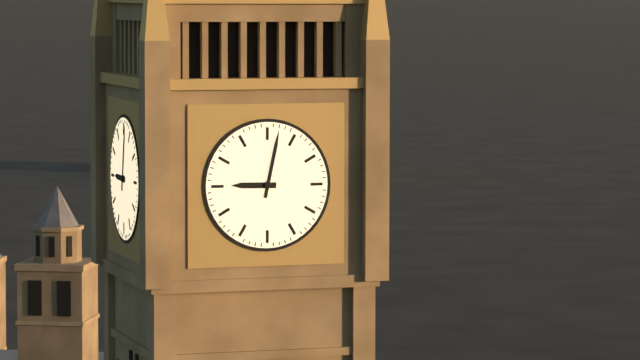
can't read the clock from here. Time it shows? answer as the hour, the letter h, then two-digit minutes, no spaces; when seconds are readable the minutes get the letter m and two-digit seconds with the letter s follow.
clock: 9h02
